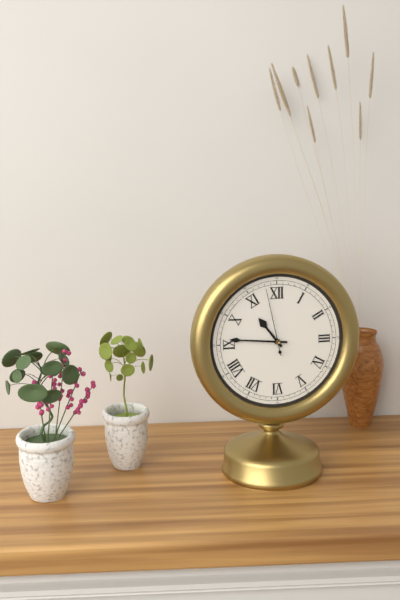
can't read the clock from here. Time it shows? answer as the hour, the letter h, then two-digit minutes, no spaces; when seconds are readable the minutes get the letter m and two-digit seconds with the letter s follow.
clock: 10h46m58s
